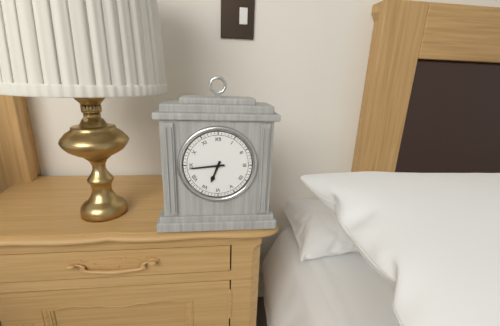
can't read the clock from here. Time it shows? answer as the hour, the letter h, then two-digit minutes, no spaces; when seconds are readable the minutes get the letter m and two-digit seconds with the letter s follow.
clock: 6h44
